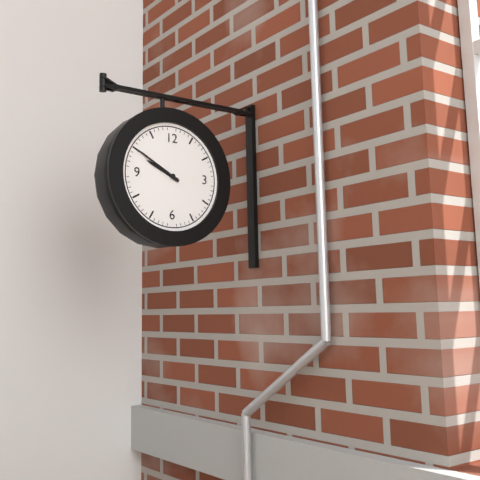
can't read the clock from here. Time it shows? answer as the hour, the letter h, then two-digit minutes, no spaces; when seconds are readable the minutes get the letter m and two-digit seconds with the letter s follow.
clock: 9h50
